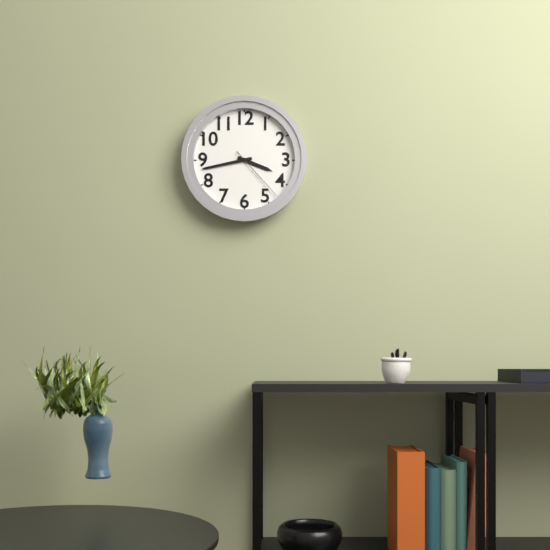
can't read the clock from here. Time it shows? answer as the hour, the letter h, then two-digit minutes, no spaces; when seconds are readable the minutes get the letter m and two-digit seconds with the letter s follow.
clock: 3h43m23s
